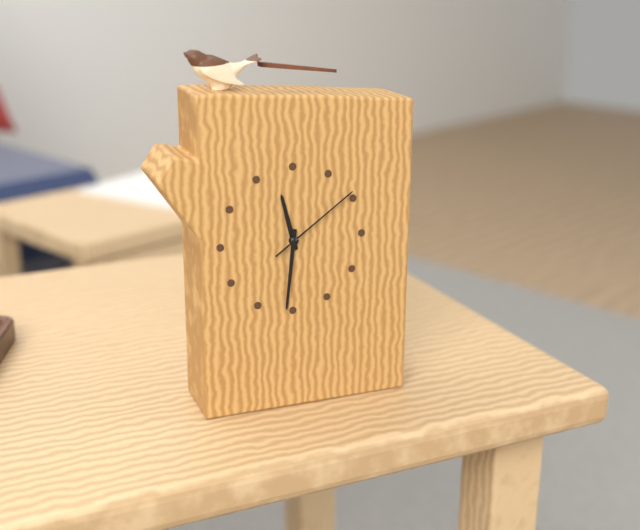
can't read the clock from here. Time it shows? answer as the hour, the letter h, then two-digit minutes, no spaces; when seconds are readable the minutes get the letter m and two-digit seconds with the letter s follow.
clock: 11h31m09s
